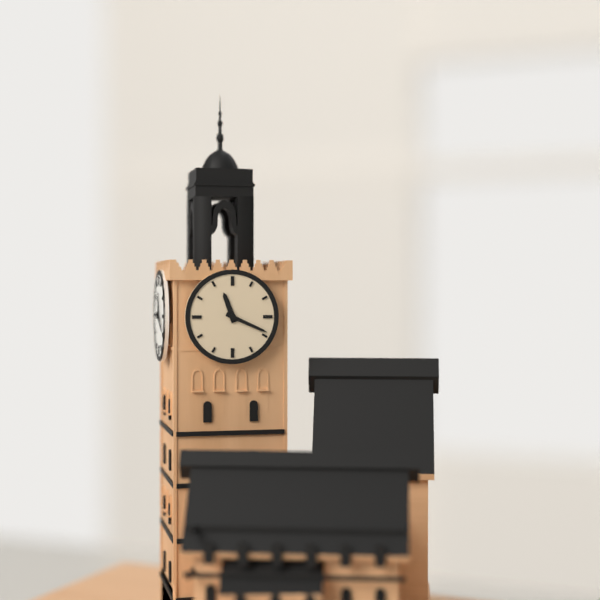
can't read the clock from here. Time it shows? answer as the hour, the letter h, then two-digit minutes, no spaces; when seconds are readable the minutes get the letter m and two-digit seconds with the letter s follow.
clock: 11h19
